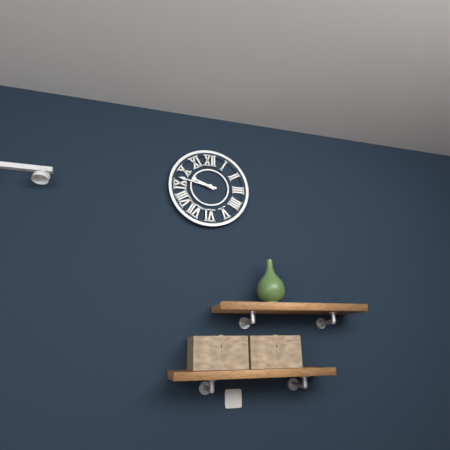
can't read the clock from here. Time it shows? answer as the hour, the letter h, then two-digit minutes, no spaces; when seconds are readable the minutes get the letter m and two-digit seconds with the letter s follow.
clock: 9h47
